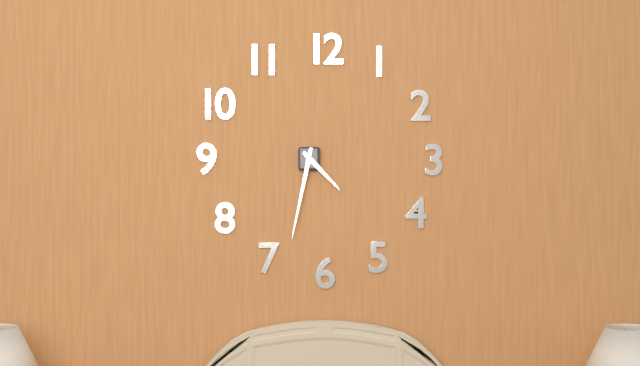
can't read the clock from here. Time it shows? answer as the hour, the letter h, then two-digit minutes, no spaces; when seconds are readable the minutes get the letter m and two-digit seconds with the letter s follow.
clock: 4h32
